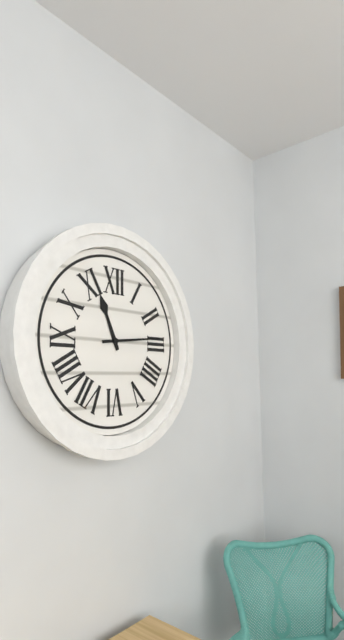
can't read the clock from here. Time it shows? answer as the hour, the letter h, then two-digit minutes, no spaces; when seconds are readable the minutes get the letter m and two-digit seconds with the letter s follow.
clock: 11h14
